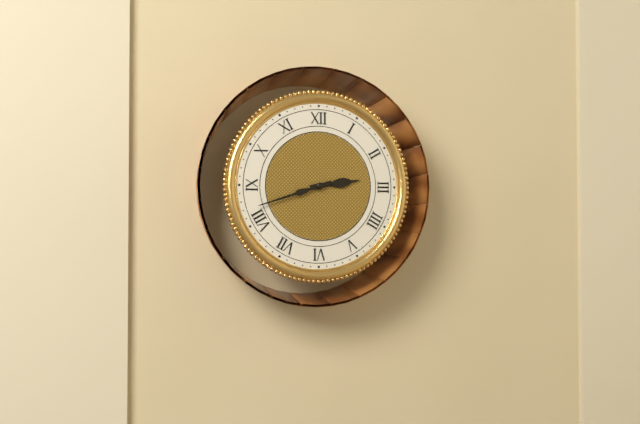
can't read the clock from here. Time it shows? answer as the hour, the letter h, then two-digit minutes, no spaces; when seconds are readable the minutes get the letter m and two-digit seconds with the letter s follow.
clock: 2h42
